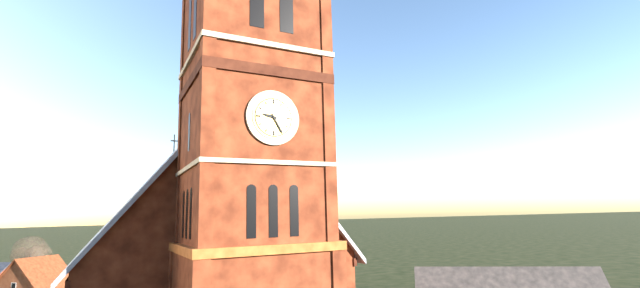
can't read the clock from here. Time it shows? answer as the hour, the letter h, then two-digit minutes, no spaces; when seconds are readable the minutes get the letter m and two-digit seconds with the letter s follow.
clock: 9h25
